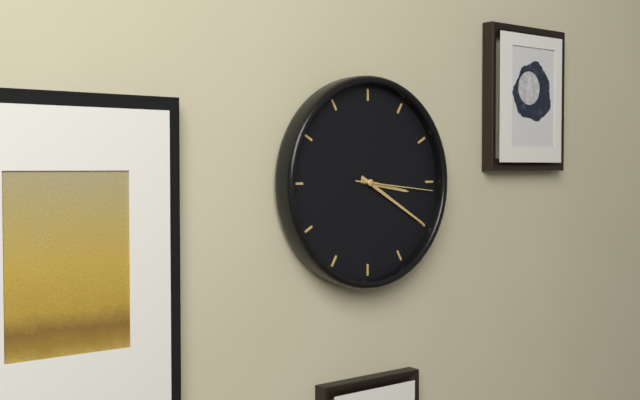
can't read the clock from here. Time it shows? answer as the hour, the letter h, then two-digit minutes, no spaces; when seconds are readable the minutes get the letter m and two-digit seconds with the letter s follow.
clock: 3h20m16s
